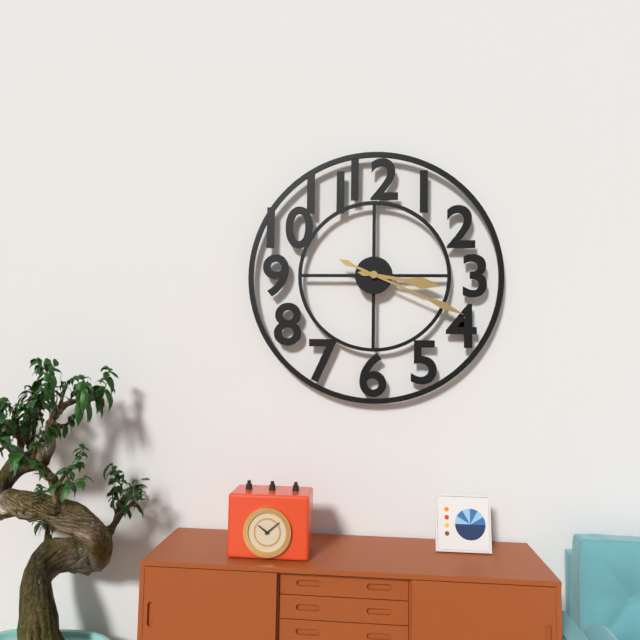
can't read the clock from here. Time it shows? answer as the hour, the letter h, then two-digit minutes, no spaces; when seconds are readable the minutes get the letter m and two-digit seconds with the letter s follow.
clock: 3h19
